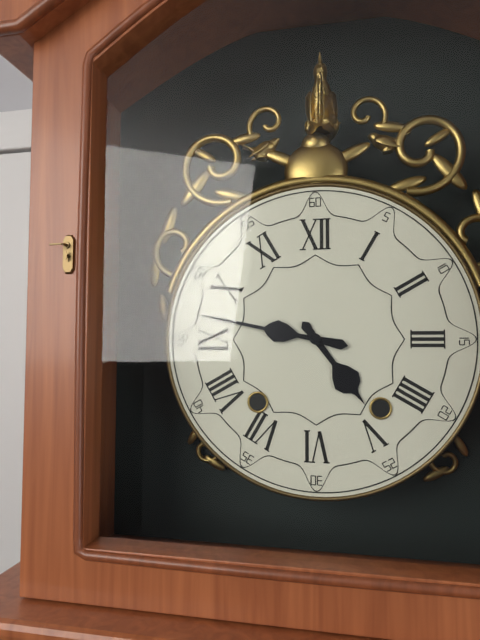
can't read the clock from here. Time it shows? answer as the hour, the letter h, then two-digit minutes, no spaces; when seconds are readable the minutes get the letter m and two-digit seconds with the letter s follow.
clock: 4h47
